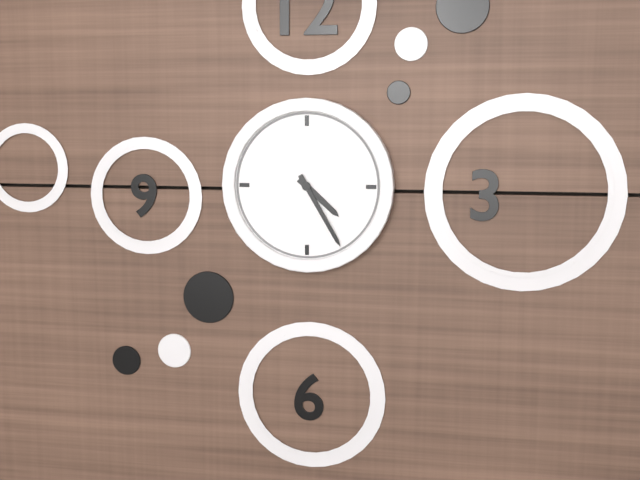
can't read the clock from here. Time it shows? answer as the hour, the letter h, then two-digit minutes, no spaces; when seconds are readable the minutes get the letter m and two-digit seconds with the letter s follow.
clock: 4h25
